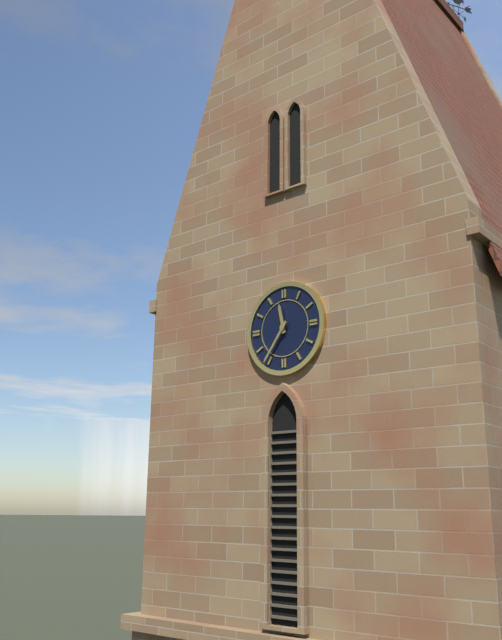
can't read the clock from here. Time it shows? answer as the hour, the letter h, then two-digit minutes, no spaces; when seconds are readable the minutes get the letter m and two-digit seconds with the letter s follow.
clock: 11h36
